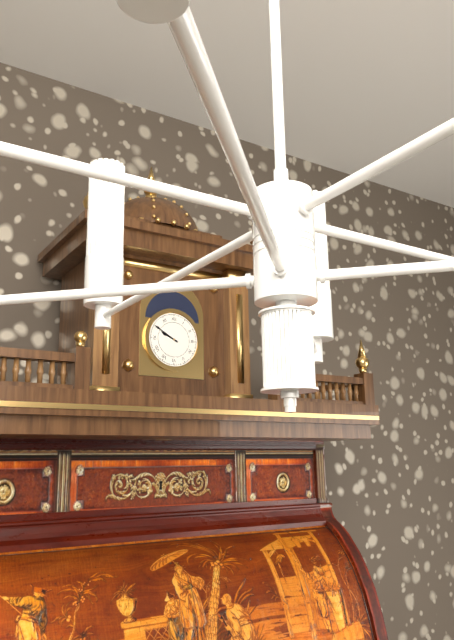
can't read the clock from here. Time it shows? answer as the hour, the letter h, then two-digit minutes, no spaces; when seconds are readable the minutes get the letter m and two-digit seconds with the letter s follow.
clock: 9h50
